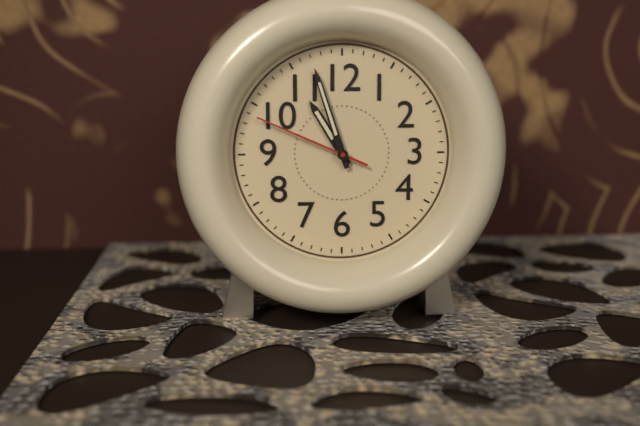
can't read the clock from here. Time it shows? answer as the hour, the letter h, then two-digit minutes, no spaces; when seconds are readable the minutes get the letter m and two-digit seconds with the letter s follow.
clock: 10h57m49s
